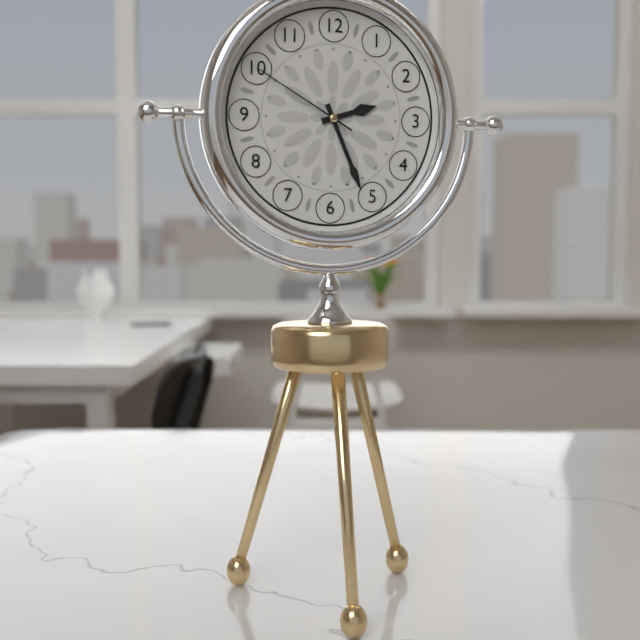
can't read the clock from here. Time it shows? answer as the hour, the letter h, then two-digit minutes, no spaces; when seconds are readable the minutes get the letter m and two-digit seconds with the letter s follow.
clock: 2h26m50s
